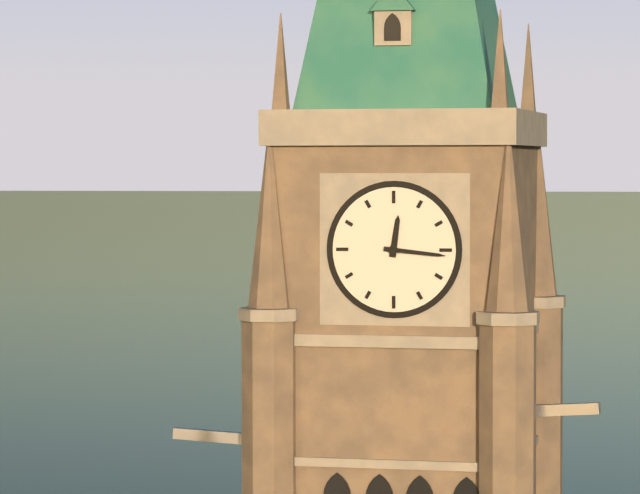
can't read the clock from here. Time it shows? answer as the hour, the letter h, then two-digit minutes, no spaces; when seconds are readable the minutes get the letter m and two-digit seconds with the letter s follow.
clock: 12h16
